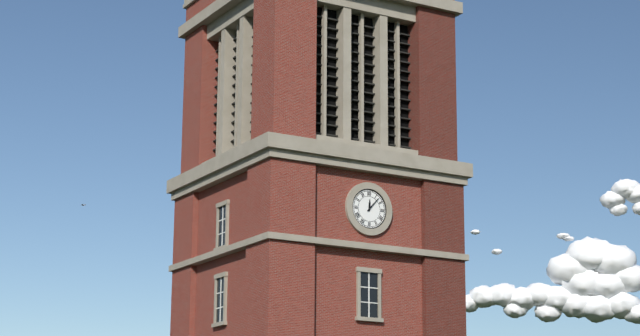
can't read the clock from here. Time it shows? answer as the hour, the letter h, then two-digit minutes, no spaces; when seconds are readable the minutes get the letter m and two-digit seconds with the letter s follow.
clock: 12h07
